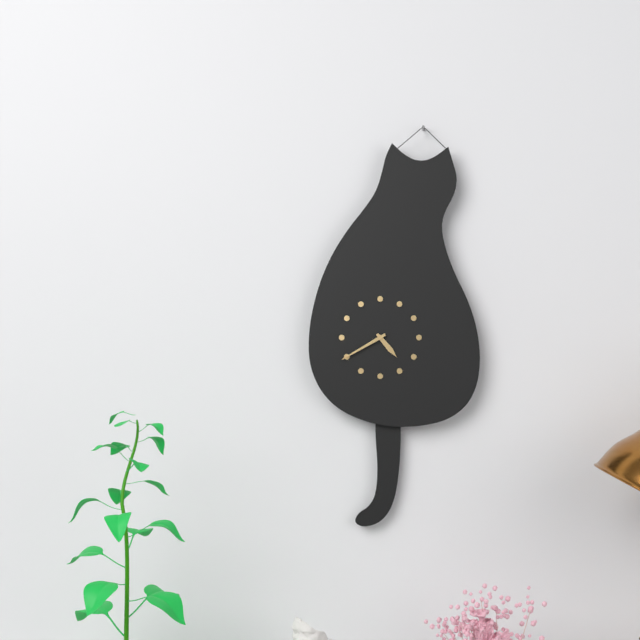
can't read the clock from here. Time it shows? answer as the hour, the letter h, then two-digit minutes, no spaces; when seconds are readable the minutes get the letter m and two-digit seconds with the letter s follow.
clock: 4h40
